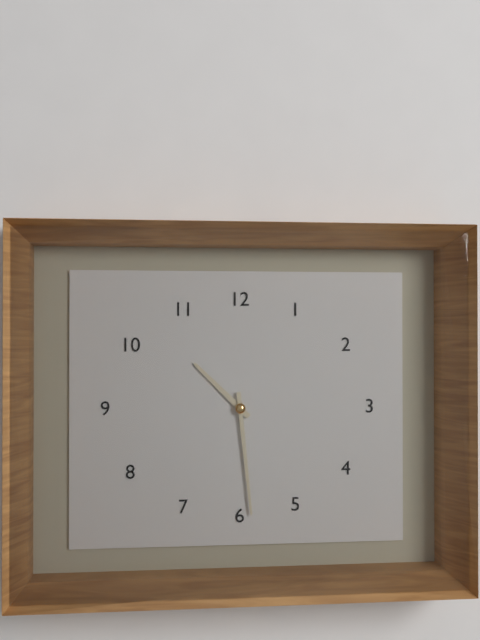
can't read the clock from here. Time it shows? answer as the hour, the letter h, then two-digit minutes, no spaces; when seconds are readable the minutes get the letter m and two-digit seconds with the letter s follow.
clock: 10h29
